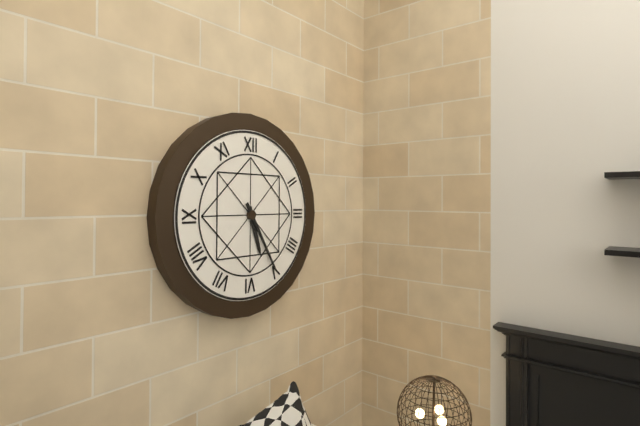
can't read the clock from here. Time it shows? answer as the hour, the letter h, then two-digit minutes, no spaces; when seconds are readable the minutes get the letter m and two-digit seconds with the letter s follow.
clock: 5h25
